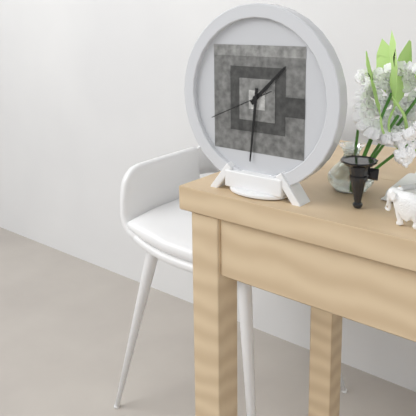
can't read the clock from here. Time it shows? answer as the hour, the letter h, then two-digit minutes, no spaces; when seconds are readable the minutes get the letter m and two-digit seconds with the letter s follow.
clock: 1h31m41s
